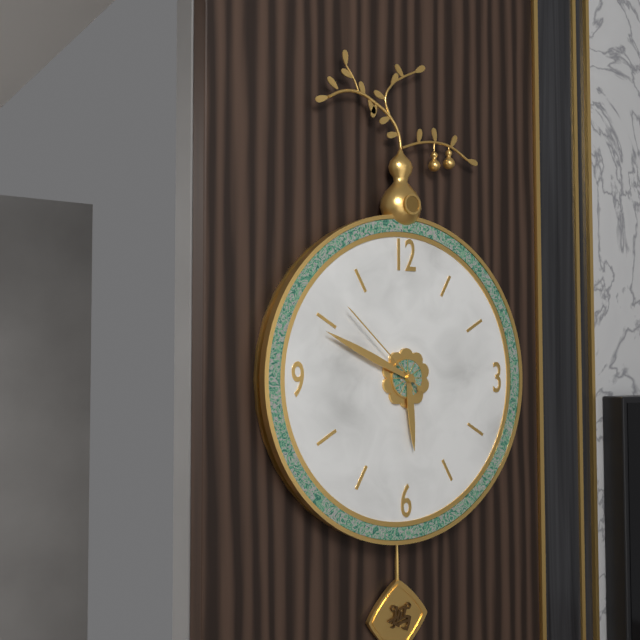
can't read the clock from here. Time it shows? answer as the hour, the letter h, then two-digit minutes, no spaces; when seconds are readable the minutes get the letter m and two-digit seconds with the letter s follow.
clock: 5h49m52s
